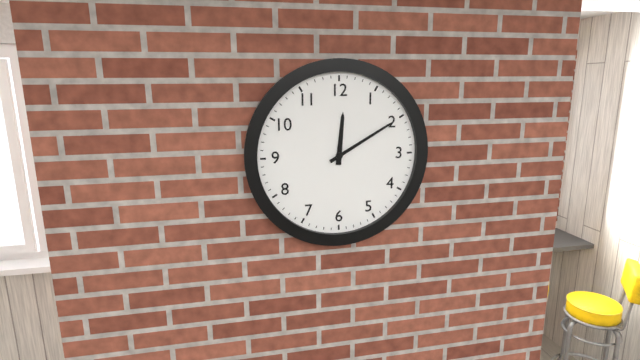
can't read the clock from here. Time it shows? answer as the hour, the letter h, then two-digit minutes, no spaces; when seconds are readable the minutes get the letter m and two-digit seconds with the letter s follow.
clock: 12h10
